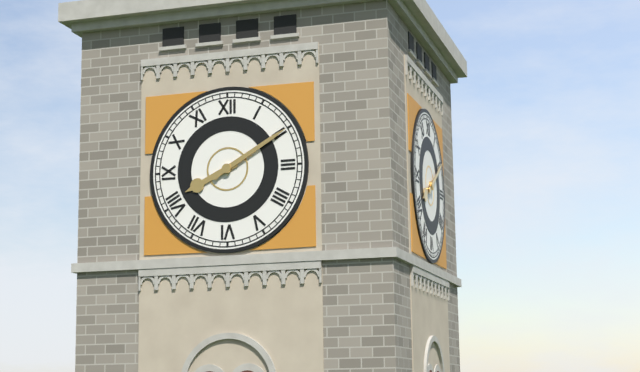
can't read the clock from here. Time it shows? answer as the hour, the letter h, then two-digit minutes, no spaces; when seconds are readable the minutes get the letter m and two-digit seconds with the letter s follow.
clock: 8h10
